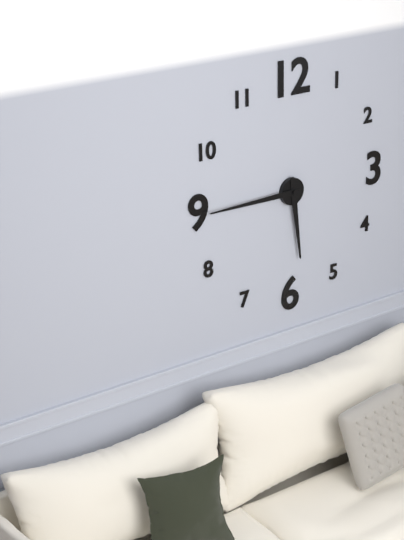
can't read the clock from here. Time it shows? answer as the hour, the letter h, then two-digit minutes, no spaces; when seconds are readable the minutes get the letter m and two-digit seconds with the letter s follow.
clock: 5h45
